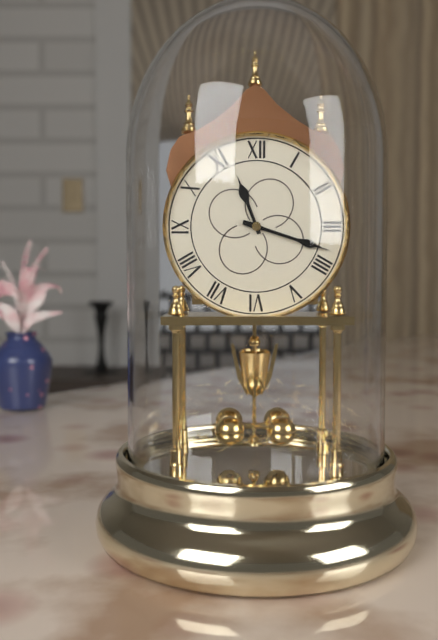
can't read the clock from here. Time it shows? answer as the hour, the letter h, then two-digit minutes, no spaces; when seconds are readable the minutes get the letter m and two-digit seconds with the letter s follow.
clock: 11h18
